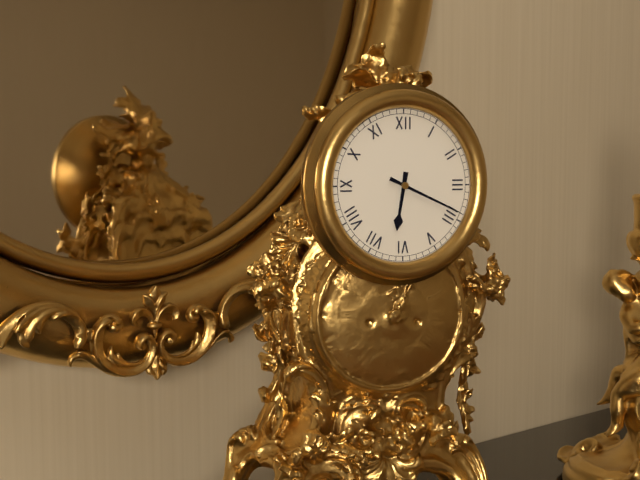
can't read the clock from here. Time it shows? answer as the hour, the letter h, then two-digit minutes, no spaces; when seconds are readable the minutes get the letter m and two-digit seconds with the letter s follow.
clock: 6h19
